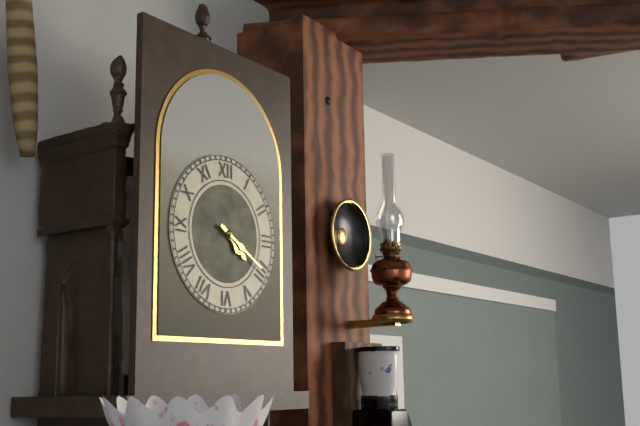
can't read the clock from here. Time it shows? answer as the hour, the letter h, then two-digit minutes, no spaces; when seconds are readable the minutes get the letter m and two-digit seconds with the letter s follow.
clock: 4h20
